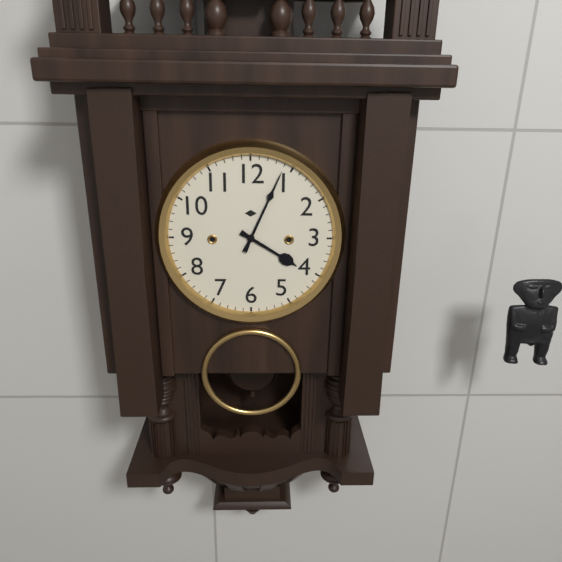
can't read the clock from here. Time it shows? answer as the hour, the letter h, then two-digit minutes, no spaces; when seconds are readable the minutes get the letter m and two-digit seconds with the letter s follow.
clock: 4h04
